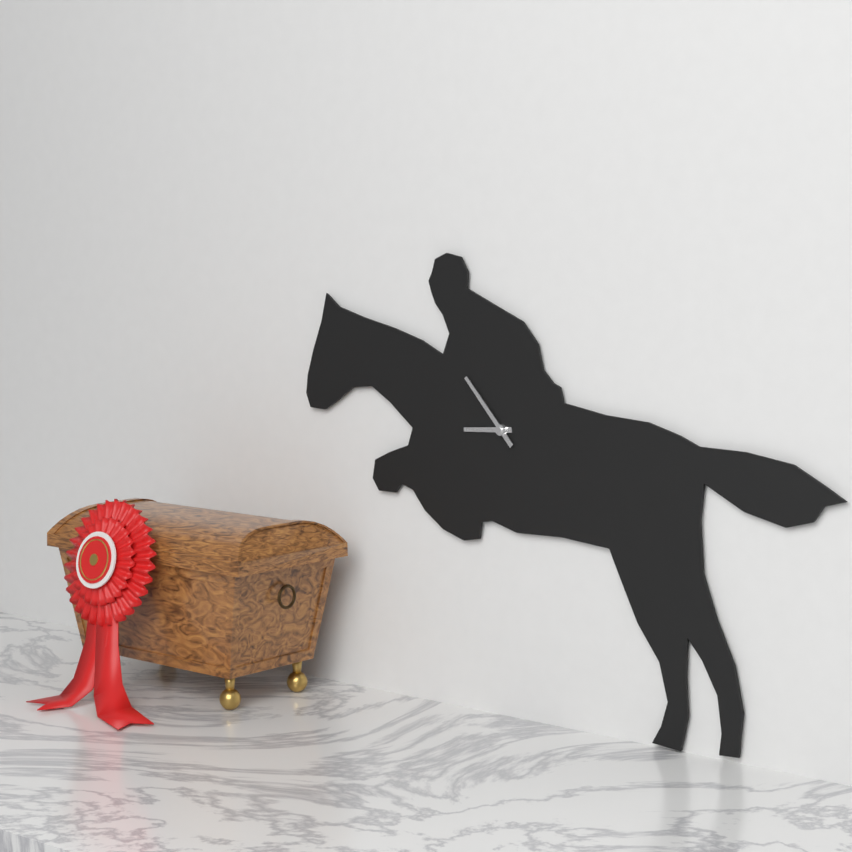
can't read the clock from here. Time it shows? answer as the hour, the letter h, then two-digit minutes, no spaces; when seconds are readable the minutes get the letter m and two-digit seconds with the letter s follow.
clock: 8h53
